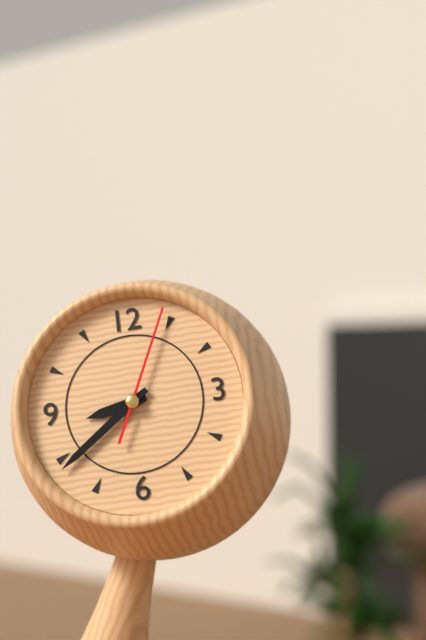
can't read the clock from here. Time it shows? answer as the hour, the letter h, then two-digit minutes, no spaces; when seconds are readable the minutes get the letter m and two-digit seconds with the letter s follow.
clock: 8h39m04s
